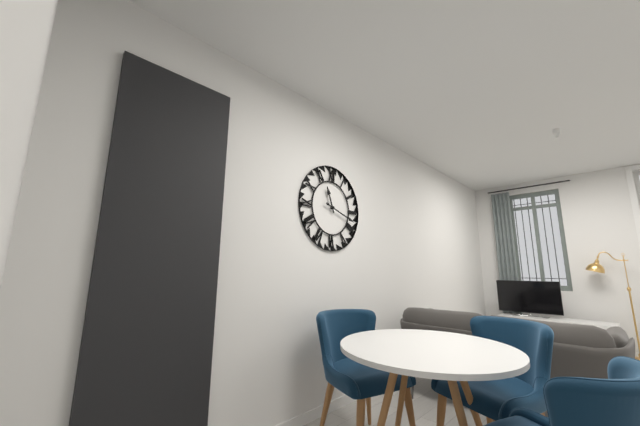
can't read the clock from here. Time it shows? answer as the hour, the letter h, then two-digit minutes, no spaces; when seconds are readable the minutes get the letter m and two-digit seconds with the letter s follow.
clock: 11h18
